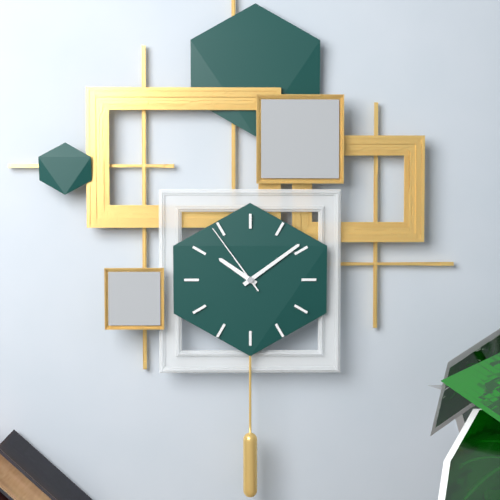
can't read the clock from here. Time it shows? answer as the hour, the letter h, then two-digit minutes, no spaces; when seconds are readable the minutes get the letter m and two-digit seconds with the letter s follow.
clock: 10h09m54s
